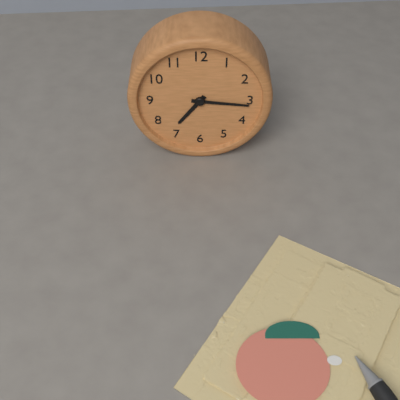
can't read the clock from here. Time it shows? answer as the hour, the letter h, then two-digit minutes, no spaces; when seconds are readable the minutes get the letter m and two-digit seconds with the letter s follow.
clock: 7h16
